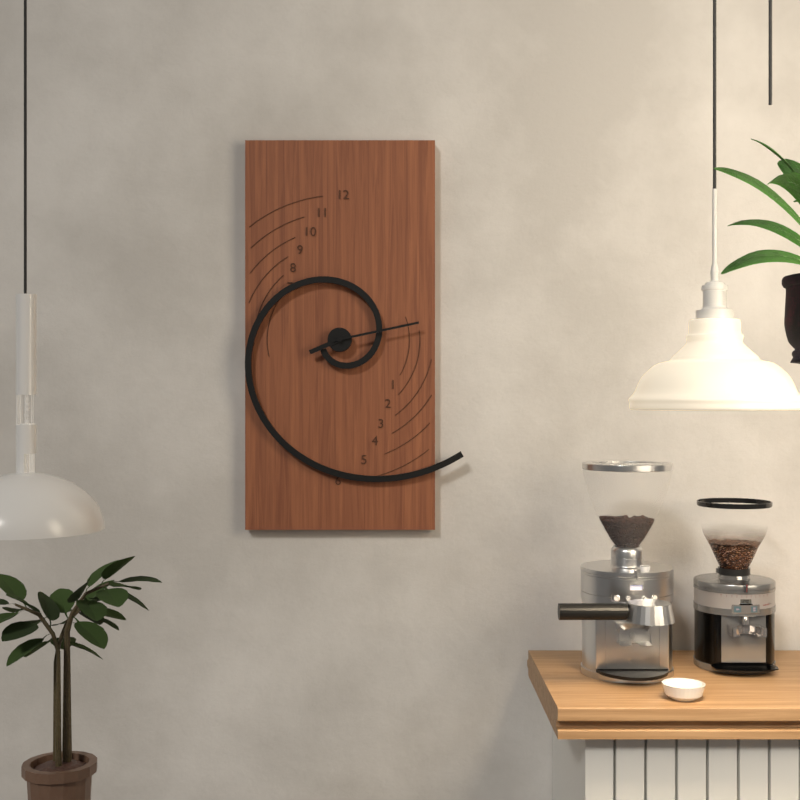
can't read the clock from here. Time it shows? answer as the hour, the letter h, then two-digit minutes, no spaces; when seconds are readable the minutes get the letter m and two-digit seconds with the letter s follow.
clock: 8h13
